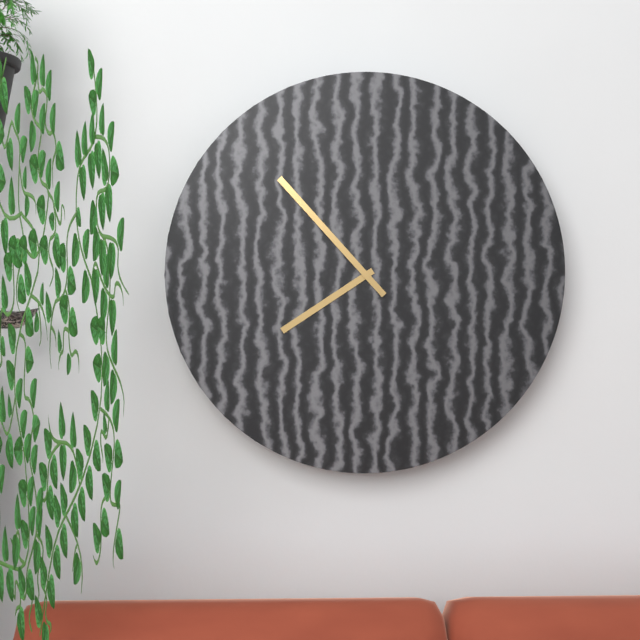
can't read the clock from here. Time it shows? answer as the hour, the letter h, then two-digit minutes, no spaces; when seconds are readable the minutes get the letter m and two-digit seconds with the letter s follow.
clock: 7h53
